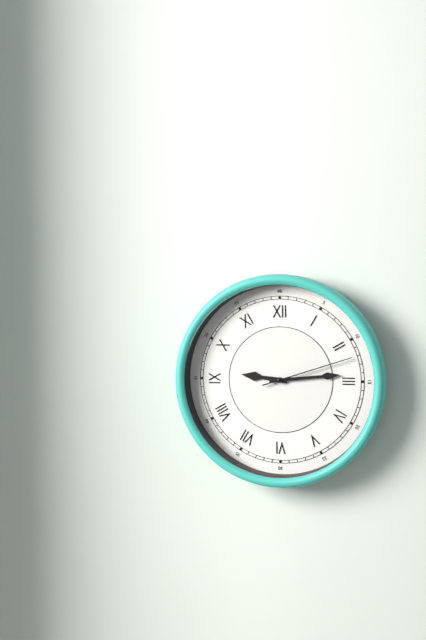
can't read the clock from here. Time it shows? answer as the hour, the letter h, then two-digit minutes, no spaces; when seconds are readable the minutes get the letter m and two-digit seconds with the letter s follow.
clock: 9h14m12s
